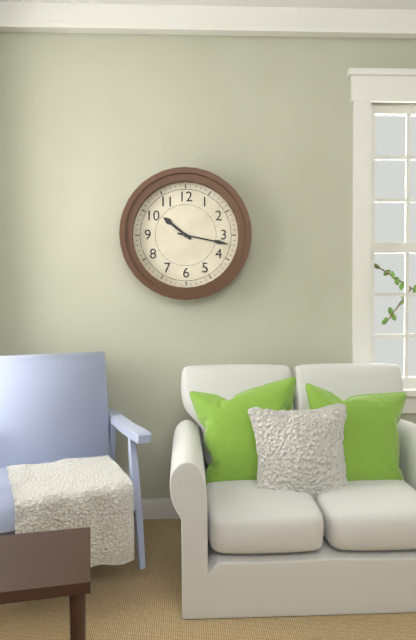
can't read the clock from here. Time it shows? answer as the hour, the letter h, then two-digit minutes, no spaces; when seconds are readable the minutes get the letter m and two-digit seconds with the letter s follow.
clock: 10h17
